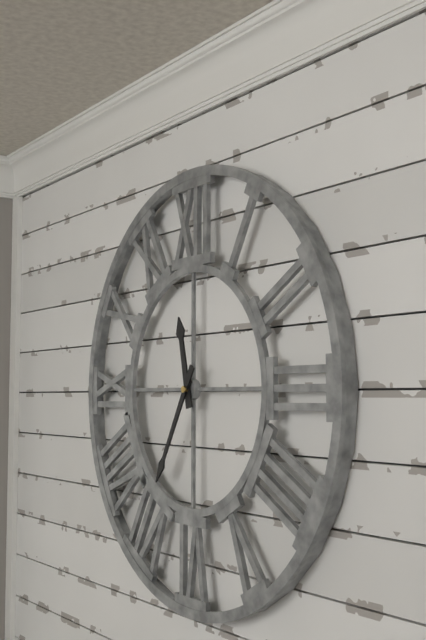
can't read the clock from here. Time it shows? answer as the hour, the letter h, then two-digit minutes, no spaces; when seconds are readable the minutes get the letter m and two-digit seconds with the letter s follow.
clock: 11h35
